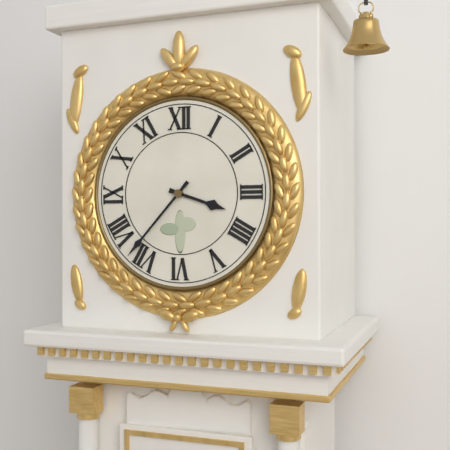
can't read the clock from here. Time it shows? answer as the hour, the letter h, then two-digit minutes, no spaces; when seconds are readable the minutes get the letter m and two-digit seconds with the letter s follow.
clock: 3h37
